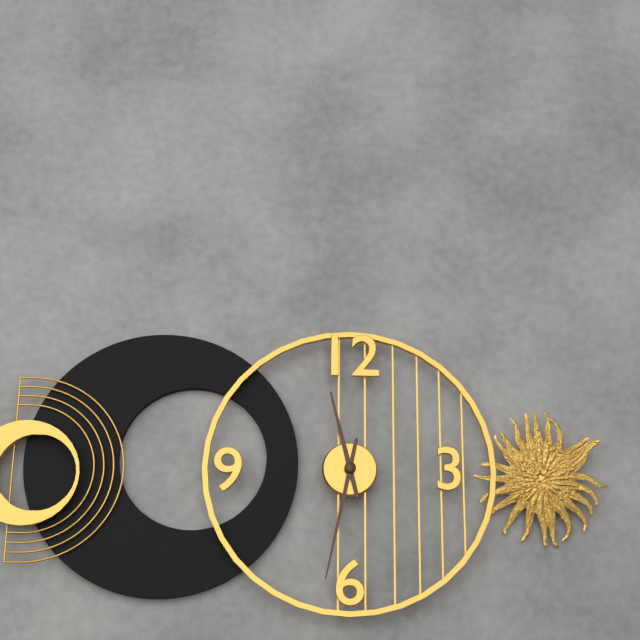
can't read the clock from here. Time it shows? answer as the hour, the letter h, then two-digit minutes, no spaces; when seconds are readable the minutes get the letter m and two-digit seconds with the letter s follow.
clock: 11h32
